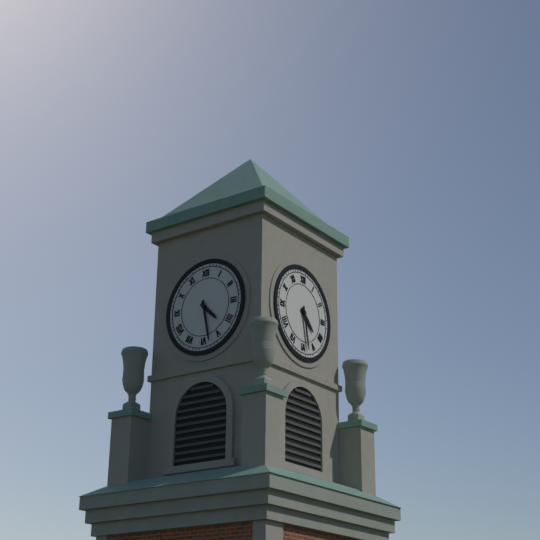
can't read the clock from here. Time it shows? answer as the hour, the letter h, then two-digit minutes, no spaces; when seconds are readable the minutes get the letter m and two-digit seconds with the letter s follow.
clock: 4h28
